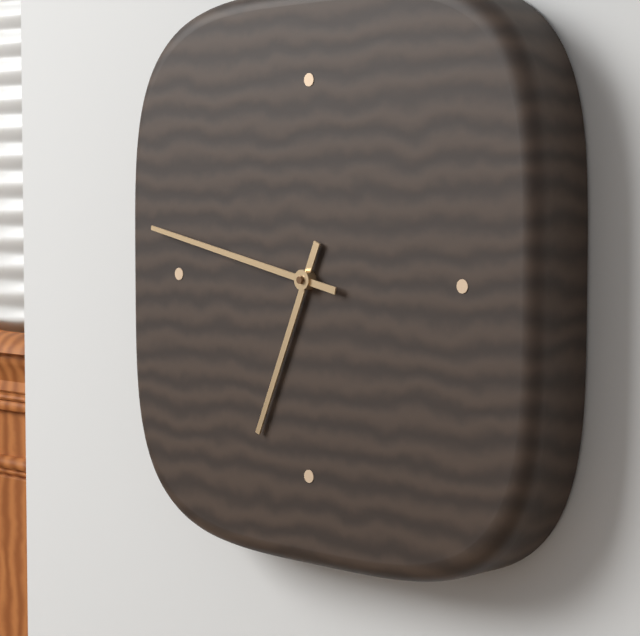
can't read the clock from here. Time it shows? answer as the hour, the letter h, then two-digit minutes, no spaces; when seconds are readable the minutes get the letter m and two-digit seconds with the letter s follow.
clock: 6h47
